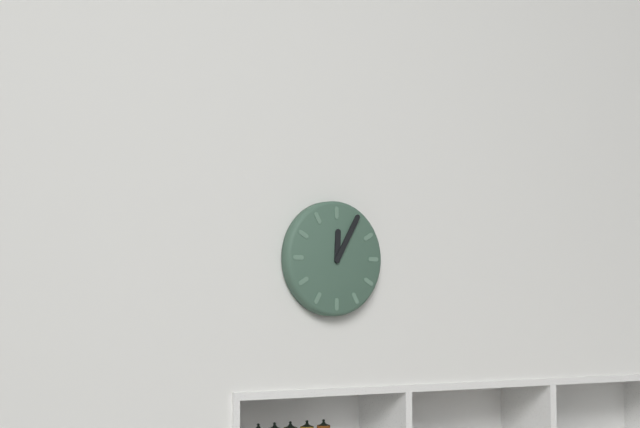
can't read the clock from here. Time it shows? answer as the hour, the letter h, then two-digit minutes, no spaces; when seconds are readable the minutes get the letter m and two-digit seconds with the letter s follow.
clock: 12h05
